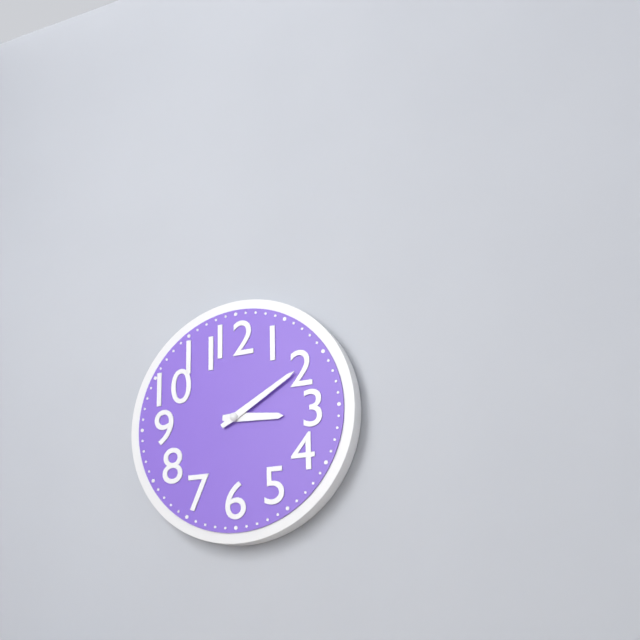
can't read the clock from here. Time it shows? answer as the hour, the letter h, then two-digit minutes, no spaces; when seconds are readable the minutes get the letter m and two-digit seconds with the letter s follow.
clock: 3h10
